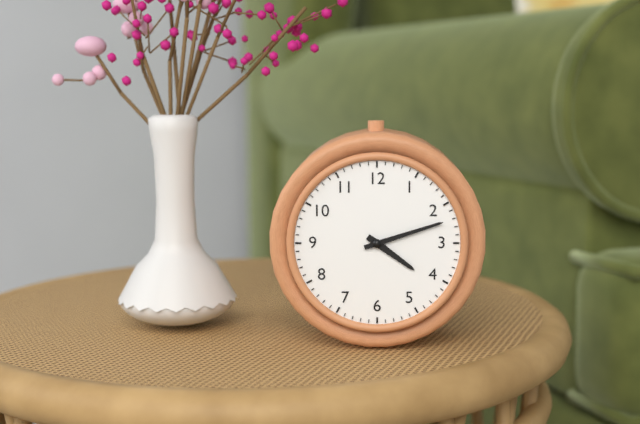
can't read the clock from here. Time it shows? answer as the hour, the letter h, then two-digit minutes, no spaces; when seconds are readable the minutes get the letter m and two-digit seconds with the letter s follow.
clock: 4h12
